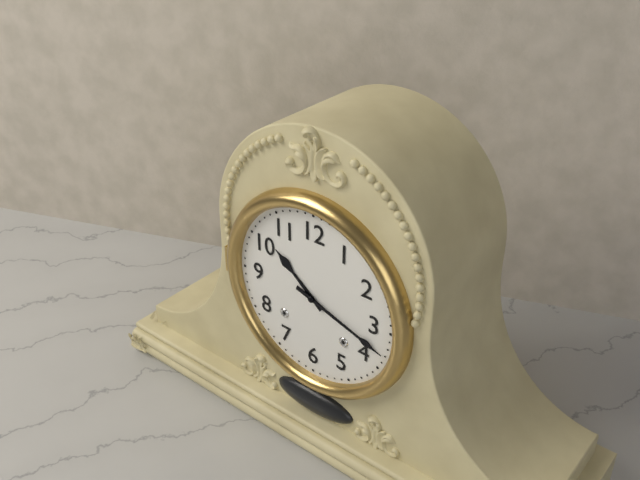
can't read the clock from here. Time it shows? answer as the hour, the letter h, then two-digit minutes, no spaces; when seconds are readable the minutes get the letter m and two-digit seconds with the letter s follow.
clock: 10h18
